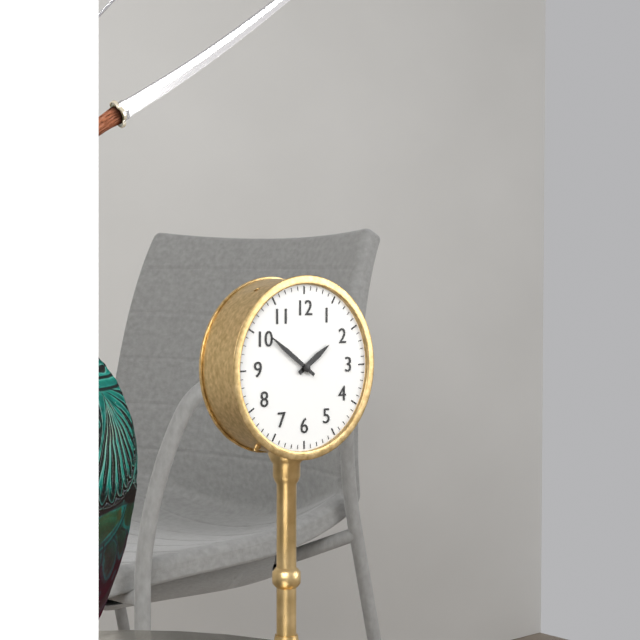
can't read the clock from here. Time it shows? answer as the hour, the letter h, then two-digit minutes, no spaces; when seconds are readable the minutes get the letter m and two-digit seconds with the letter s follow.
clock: 1h51
